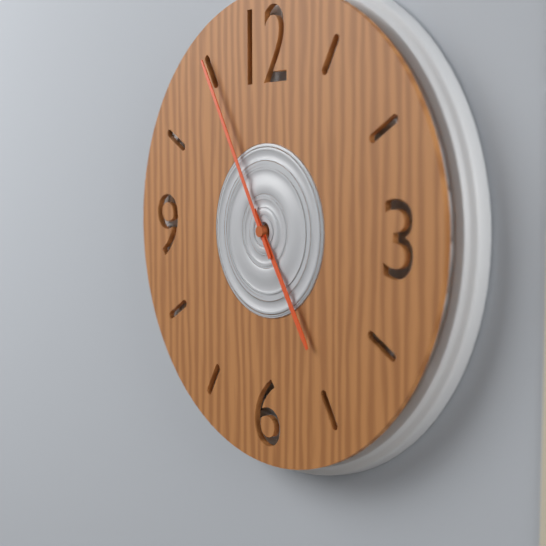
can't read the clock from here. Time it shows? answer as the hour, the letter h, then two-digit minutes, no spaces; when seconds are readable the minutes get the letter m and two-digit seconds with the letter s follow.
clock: 4h55
